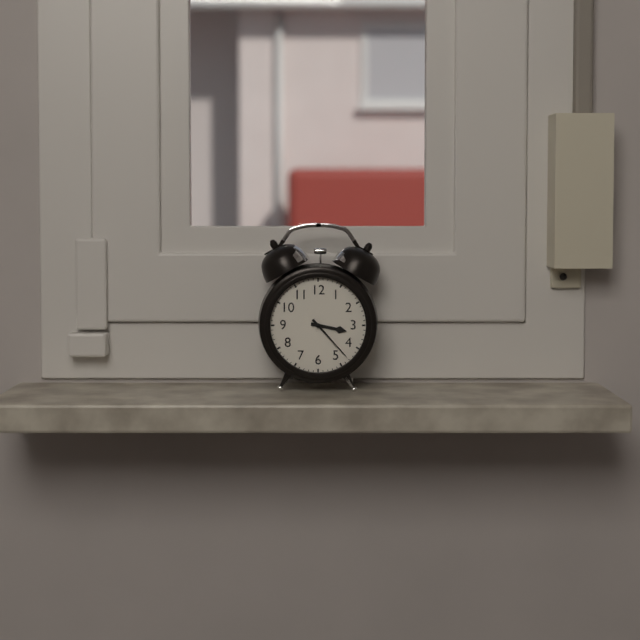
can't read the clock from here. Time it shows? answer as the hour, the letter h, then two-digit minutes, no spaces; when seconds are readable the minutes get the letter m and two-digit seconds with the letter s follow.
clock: 3h23
